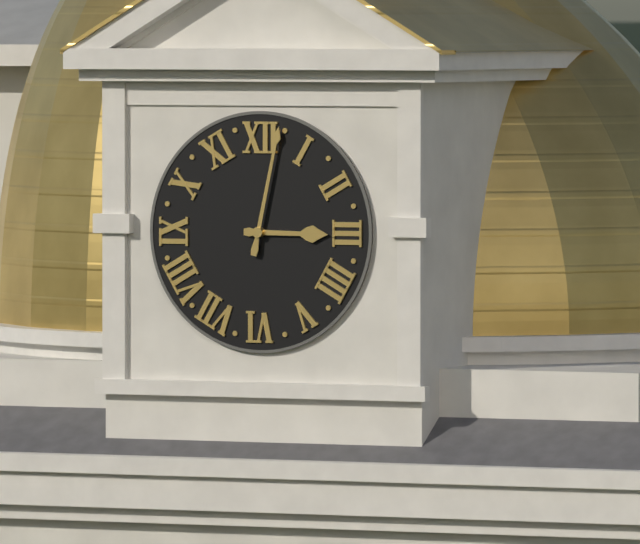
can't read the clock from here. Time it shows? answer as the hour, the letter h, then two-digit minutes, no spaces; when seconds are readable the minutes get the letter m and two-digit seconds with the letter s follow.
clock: 3h02
